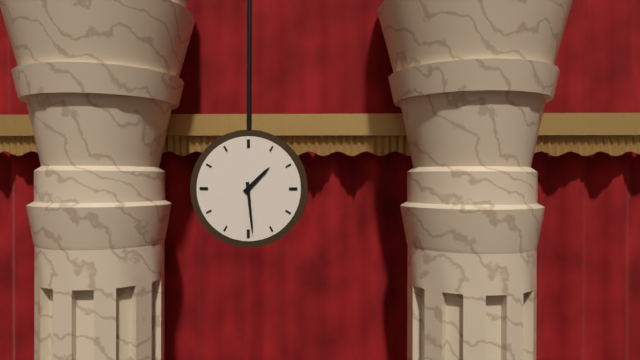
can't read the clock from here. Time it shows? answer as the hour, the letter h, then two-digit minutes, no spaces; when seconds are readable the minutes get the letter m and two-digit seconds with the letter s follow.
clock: 1h29
